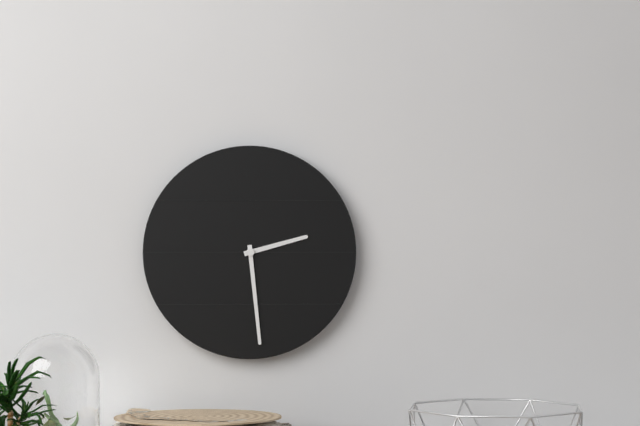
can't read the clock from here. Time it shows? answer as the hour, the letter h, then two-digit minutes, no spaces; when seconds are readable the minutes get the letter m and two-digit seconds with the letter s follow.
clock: 2h29
